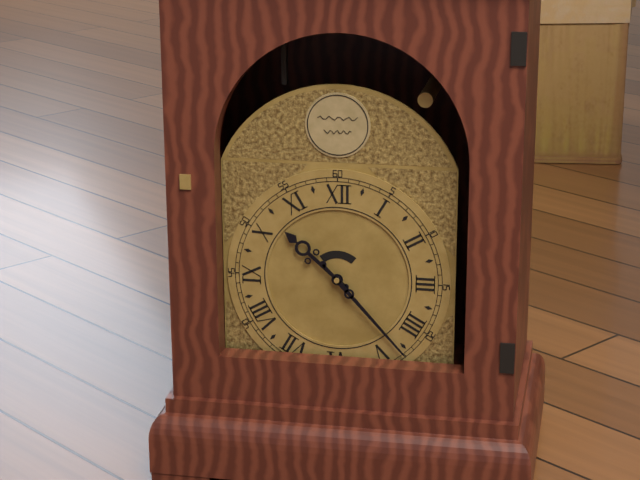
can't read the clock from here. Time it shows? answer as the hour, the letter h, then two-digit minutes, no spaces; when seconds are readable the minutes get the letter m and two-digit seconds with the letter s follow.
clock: 10h23
